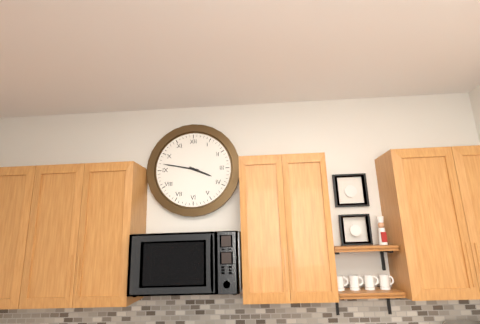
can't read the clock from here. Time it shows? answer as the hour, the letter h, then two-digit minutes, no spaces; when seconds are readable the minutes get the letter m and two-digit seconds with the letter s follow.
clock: 3h47
